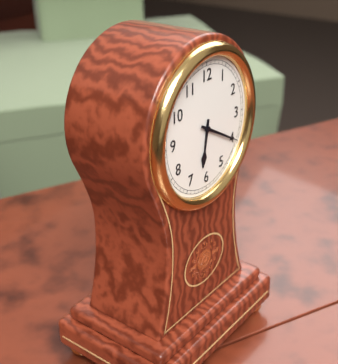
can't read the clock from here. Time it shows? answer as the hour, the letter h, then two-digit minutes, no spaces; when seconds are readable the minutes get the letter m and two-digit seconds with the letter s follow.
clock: 6h20
